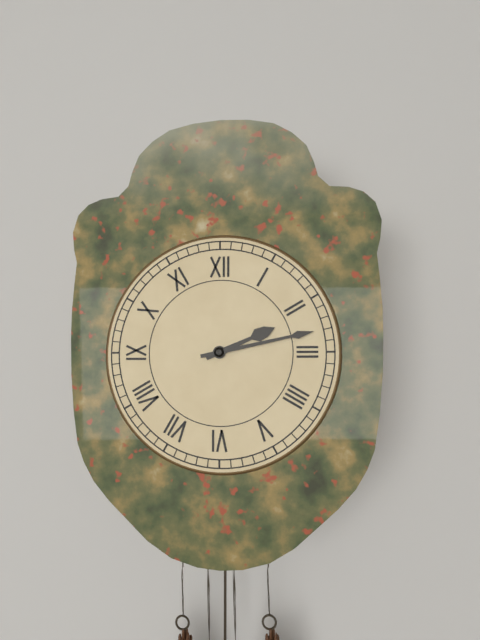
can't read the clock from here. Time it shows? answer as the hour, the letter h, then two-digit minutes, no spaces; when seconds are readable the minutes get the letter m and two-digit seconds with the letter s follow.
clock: 2h13
